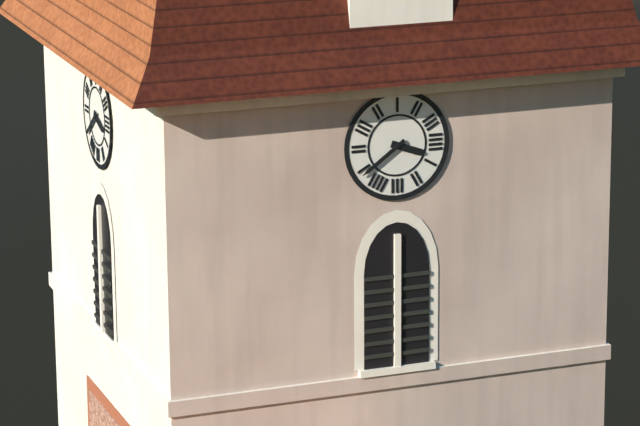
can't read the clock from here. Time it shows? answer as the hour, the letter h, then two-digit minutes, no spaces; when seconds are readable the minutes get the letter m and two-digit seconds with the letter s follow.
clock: 3h39
